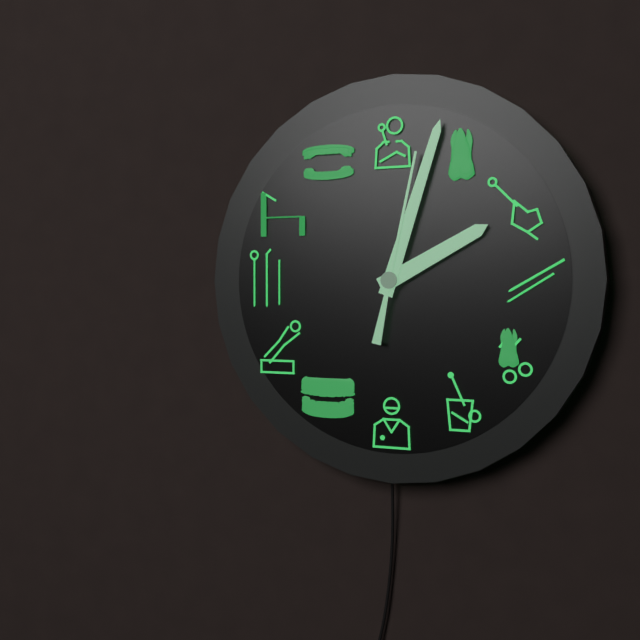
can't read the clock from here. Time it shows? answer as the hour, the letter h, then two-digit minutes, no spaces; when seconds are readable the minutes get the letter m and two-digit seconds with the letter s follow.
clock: 2h03m02s
